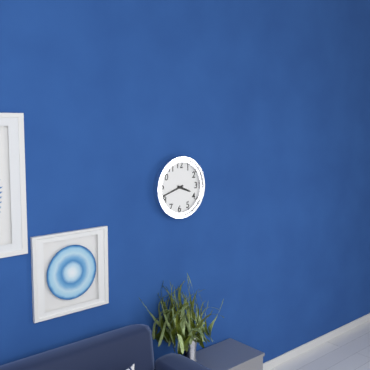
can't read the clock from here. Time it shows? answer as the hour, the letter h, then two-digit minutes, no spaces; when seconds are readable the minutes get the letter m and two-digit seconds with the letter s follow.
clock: 3h42
